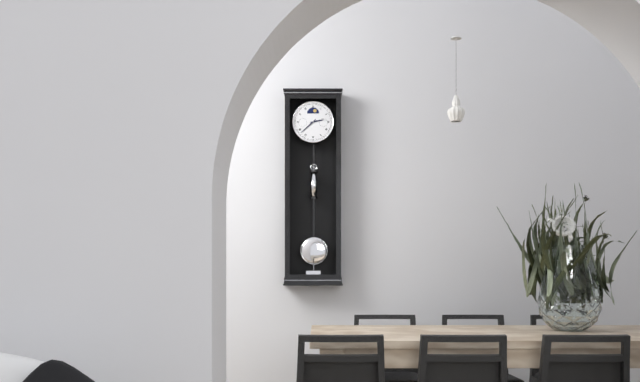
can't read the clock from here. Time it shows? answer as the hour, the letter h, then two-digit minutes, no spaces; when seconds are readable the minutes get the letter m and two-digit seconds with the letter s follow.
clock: 2h38
